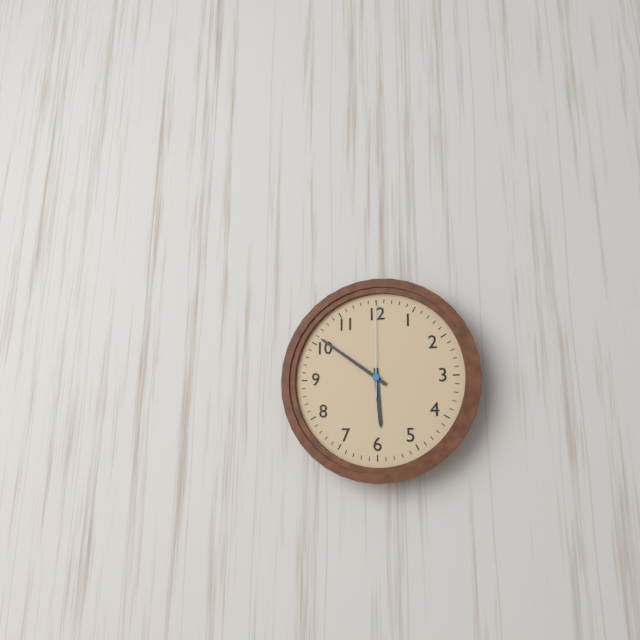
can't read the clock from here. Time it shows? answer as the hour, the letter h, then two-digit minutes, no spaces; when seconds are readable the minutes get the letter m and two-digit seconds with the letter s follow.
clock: 5h51m00s
